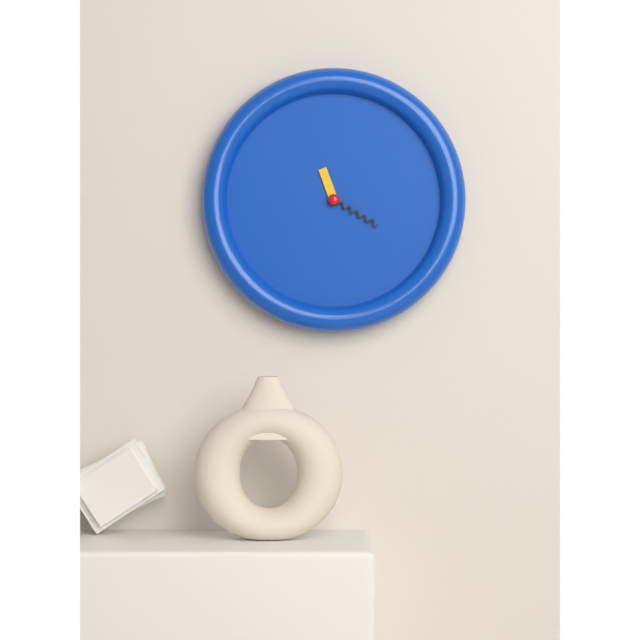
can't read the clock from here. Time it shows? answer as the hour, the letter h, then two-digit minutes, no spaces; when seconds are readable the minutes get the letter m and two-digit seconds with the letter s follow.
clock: 11h20
